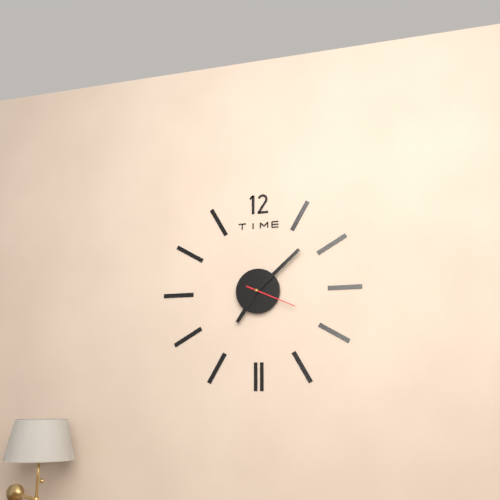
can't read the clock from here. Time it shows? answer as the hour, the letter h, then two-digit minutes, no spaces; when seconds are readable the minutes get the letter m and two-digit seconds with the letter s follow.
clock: 7h08m19s
